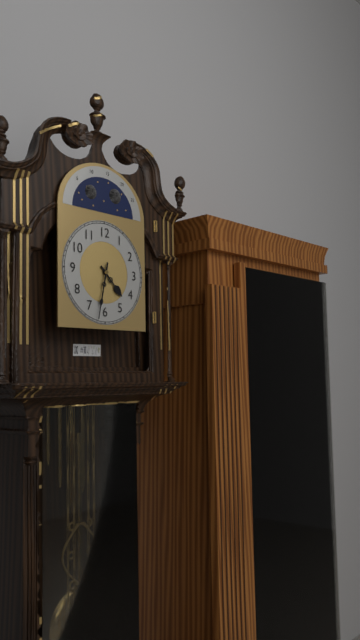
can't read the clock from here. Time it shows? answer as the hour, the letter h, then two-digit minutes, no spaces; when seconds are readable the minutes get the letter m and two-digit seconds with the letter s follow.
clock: 4h32
